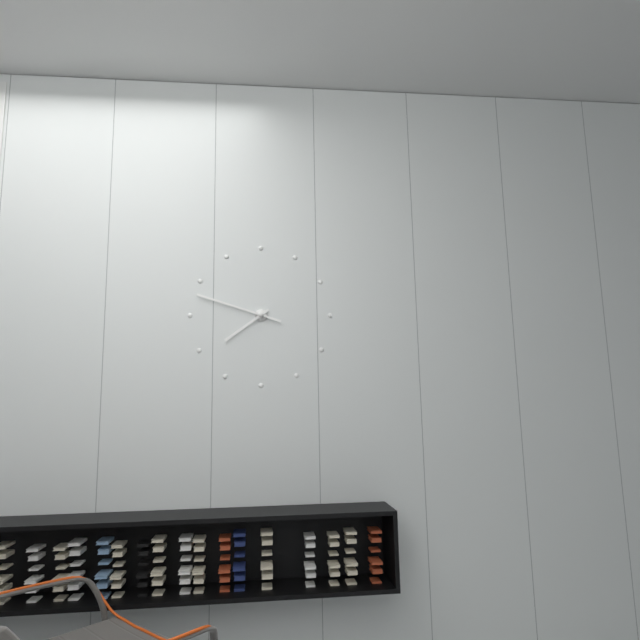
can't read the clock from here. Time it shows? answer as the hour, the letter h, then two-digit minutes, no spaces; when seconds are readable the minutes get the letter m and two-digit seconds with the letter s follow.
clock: 7h48
